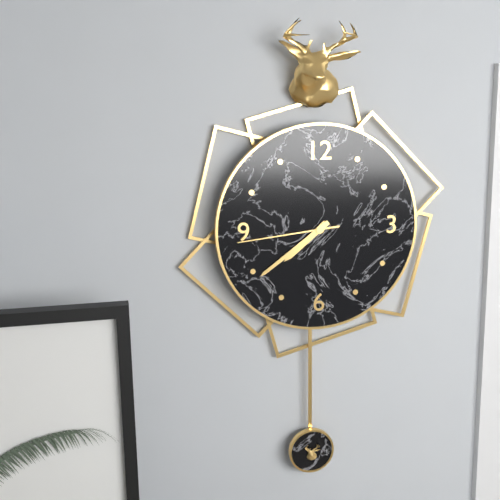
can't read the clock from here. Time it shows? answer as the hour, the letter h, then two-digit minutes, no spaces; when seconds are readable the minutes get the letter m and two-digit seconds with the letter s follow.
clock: 7h39m44s
